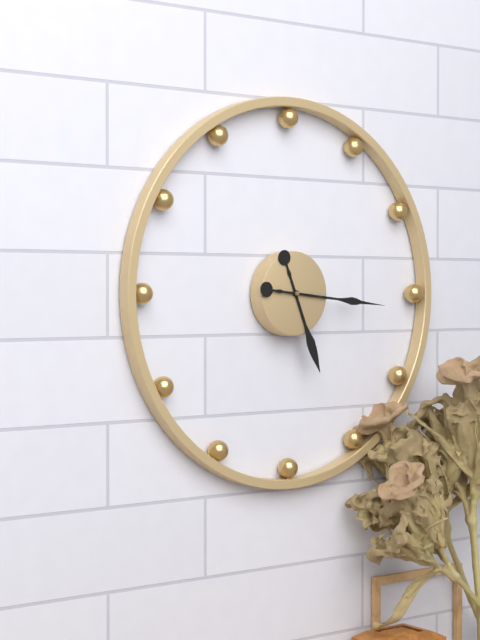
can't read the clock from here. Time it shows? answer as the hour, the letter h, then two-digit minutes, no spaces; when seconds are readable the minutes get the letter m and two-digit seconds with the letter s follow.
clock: 5h16
